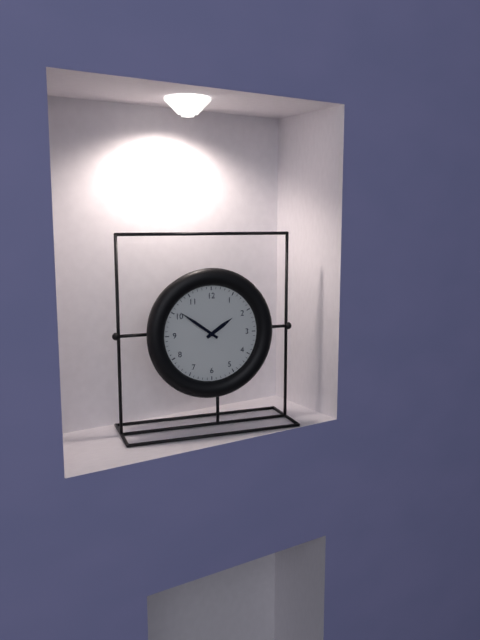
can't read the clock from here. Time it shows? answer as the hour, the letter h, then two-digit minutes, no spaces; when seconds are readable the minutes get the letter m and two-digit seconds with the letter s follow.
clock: 1h51
